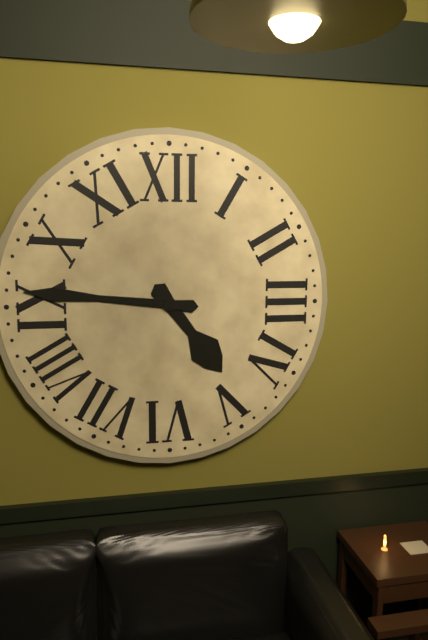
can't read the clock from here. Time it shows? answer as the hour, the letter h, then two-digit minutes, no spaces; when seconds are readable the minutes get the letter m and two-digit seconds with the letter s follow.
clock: 4h46
